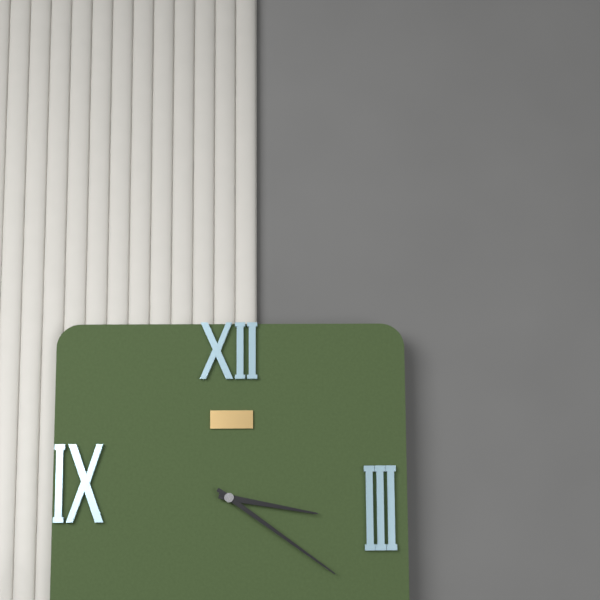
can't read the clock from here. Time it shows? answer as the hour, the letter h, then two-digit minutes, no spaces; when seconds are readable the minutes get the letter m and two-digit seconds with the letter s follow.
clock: 3h21
